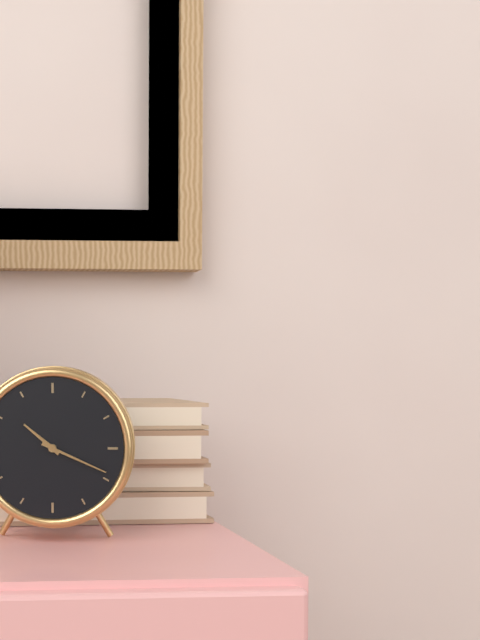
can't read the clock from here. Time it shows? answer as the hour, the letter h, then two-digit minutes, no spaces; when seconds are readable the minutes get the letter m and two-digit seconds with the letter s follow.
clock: 10h19
